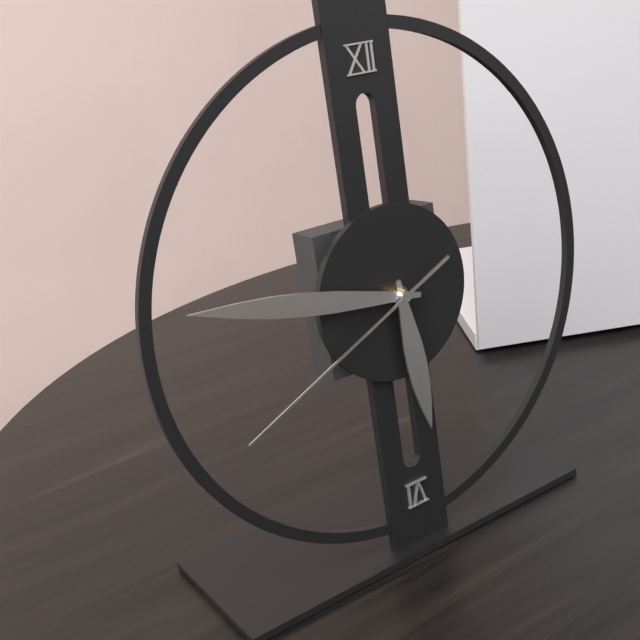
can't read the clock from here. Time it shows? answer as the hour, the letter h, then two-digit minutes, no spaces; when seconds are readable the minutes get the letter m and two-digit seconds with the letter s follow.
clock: 5h47m41s
